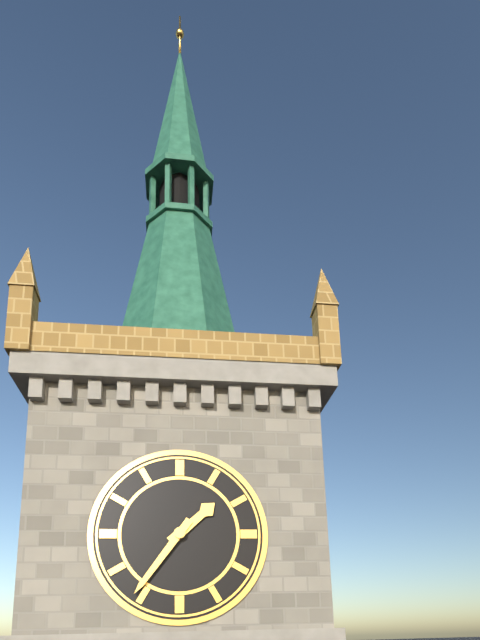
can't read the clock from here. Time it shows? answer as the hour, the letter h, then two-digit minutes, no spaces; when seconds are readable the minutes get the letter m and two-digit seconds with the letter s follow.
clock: 1h36
